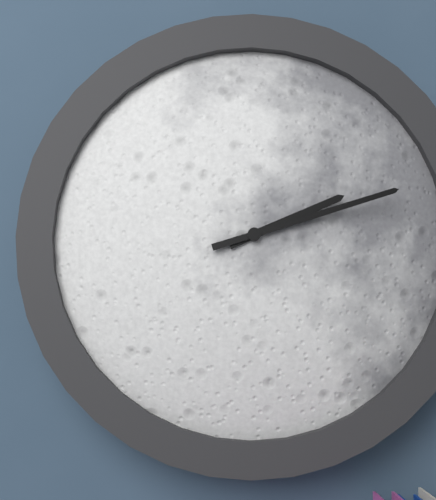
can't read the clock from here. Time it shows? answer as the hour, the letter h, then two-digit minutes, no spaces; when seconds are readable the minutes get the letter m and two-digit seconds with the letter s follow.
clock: 2h12
